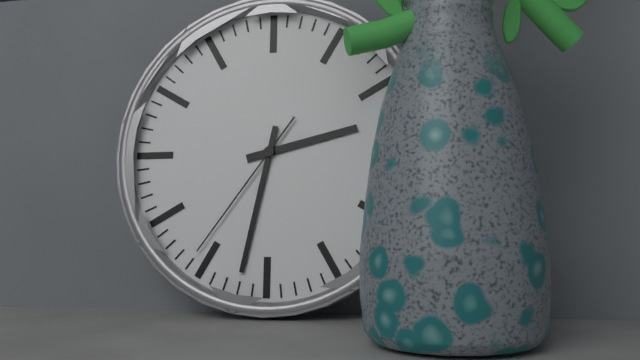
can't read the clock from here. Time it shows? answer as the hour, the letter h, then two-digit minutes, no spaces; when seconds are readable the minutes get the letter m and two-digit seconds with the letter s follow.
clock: 2h32m36s
